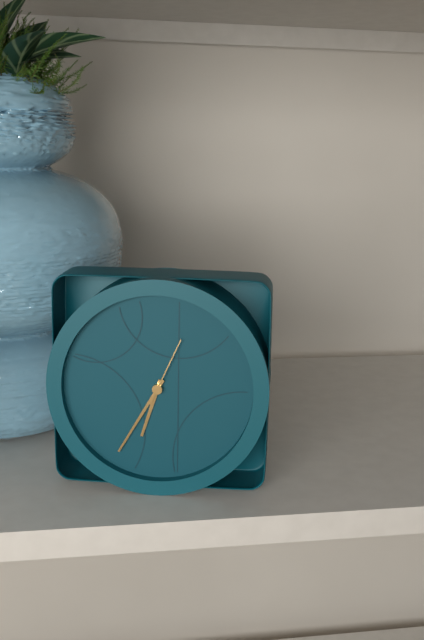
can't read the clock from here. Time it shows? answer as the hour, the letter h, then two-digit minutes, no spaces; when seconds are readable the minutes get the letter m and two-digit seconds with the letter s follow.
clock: 6h35m04s
